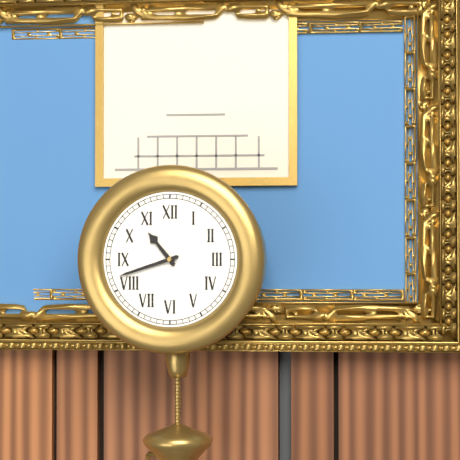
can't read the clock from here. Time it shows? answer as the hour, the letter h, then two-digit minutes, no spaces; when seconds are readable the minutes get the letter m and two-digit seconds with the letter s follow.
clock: 10h42
